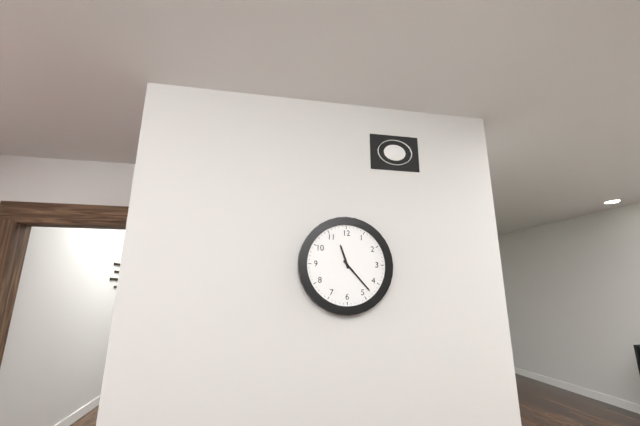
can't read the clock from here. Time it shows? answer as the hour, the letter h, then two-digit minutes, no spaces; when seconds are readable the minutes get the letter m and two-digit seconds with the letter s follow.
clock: 11h23
